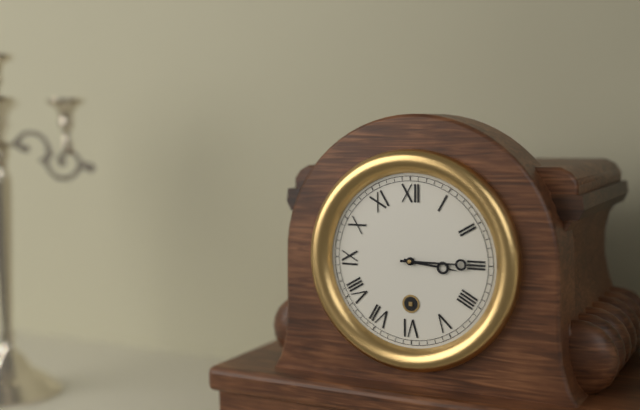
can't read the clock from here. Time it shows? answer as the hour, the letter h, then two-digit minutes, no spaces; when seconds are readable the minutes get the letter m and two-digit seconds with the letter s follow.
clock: 3h15
